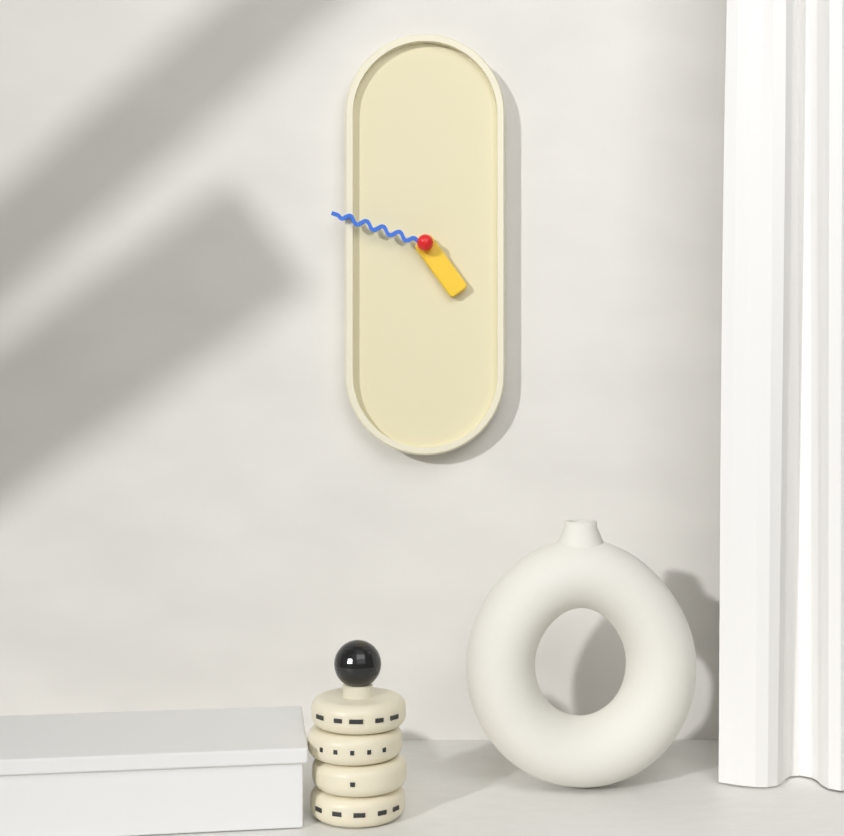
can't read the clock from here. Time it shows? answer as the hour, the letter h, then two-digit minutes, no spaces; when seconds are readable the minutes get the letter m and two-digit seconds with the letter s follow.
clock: 4h48
